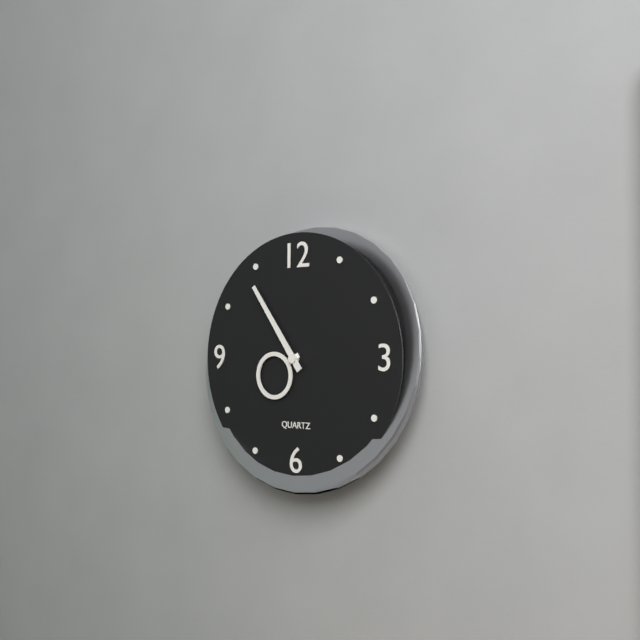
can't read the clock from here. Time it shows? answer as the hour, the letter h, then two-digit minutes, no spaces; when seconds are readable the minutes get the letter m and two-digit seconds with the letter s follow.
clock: 7h54
